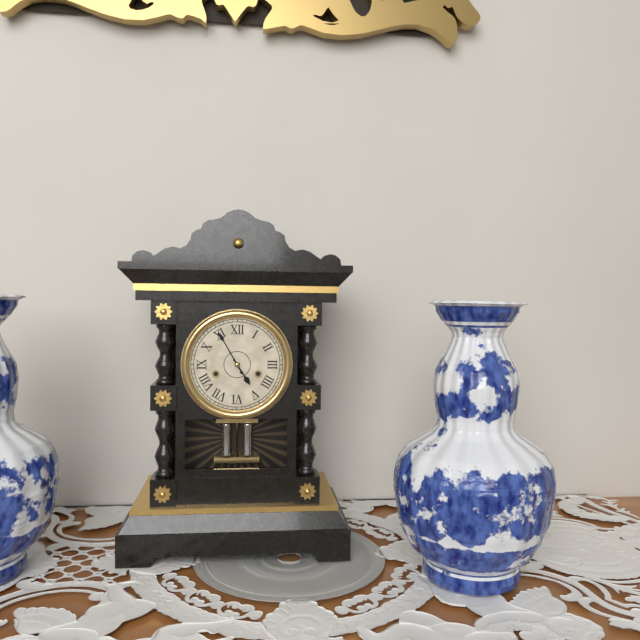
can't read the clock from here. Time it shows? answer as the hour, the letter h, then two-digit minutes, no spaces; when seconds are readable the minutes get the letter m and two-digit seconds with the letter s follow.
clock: 4h55
